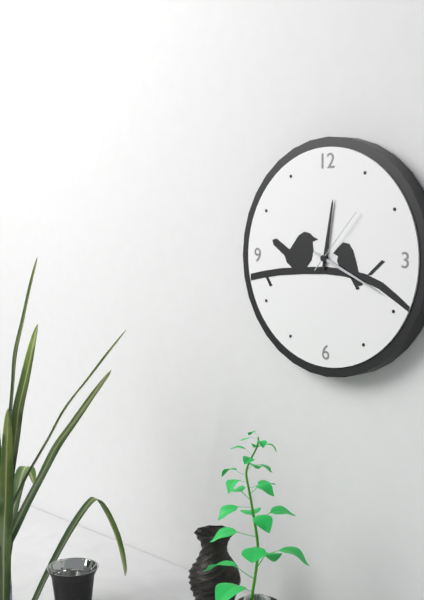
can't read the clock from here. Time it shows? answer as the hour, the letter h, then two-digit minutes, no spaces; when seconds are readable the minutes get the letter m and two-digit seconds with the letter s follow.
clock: 12h19m07s
